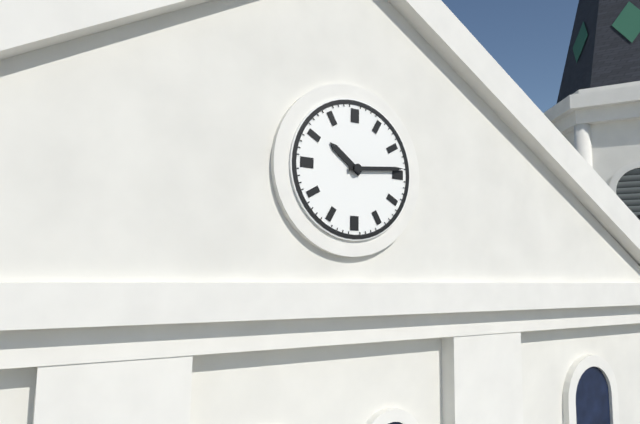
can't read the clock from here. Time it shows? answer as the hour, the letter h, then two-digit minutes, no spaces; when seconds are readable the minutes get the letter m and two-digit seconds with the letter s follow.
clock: 10h14
